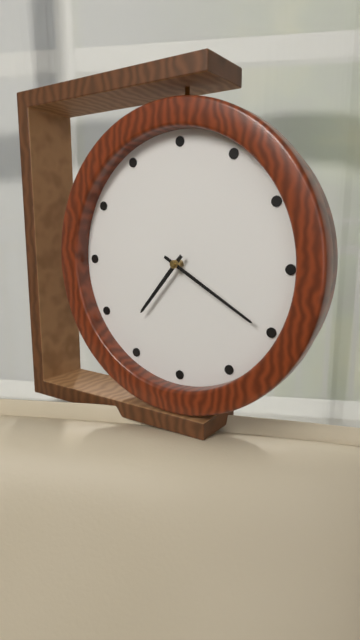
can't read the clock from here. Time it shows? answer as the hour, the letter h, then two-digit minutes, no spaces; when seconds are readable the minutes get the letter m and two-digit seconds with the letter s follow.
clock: 7h20
